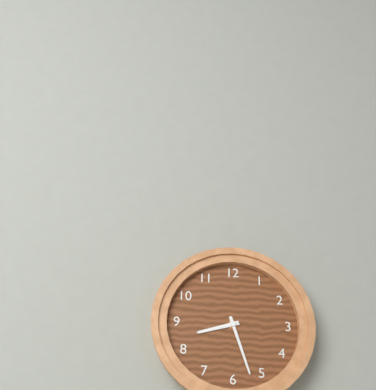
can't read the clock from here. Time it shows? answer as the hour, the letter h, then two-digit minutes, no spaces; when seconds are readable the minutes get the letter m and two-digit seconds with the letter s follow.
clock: 8h27
